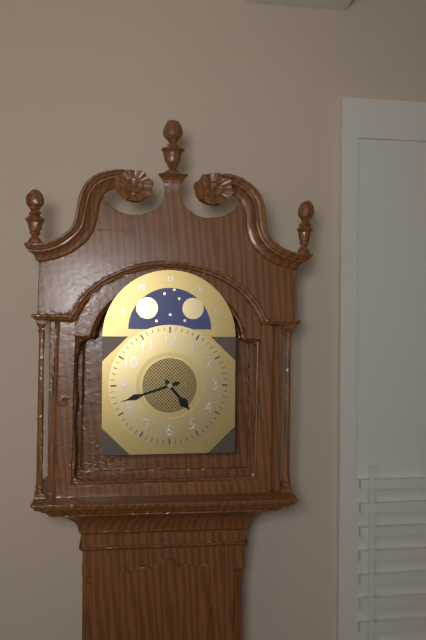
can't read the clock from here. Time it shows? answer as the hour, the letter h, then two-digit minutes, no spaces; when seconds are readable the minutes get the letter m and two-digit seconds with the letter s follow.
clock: 4h42
